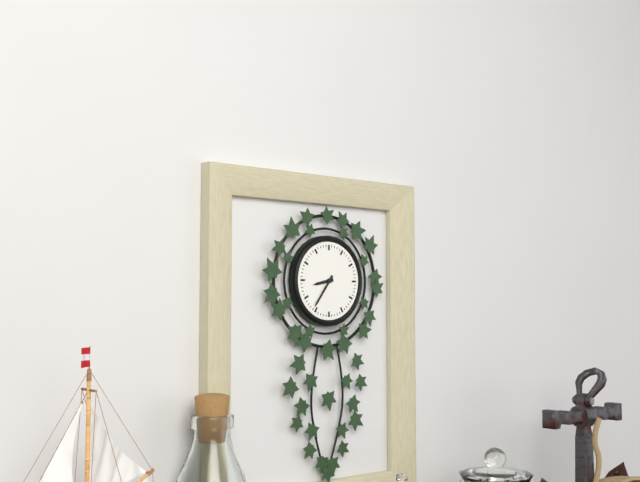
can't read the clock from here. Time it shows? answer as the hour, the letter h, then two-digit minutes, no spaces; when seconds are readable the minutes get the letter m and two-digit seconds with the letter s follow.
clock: 8h36
